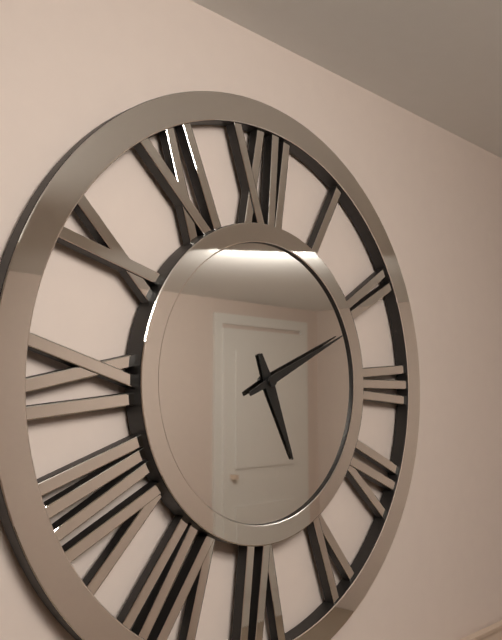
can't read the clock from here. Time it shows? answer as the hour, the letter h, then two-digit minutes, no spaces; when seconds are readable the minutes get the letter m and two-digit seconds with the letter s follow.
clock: 5h11
